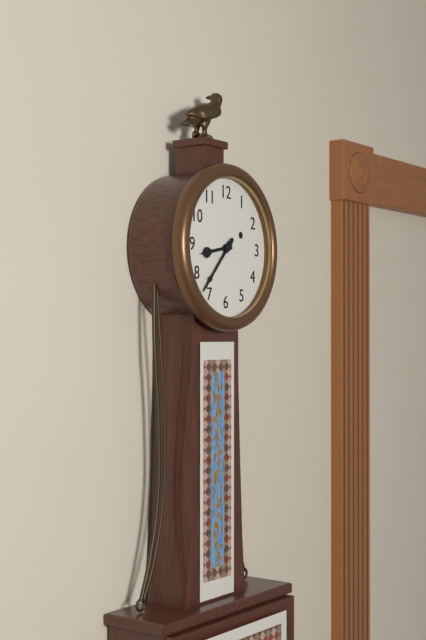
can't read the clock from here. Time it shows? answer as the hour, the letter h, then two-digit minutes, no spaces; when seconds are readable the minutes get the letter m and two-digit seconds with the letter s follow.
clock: 8h37
